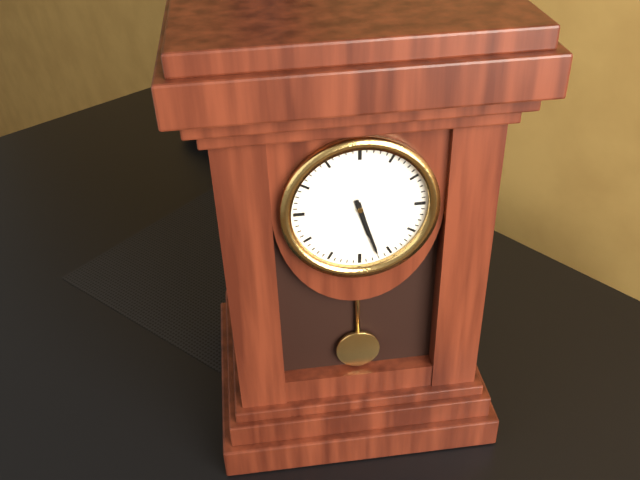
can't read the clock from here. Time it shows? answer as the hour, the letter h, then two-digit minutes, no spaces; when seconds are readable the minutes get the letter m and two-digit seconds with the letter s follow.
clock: 5h27
